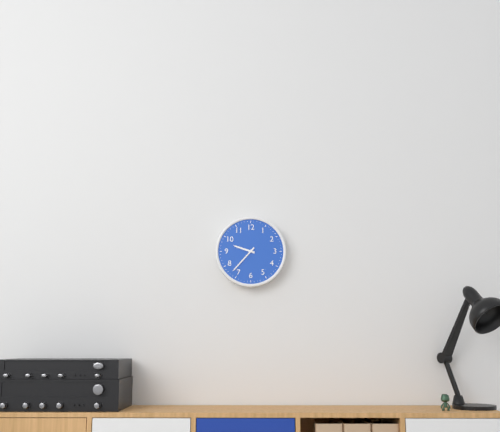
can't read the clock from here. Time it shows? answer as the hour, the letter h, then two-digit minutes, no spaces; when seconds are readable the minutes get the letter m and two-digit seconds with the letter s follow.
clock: 9h37
